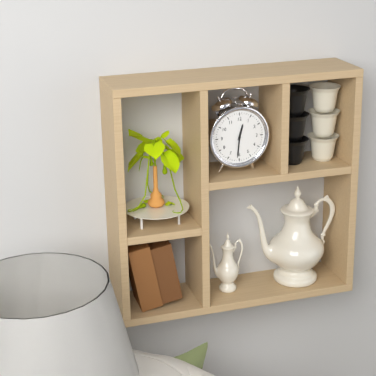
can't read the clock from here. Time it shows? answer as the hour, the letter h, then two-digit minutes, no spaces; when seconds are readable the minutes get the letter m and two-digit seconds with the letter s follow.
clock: 12h31
